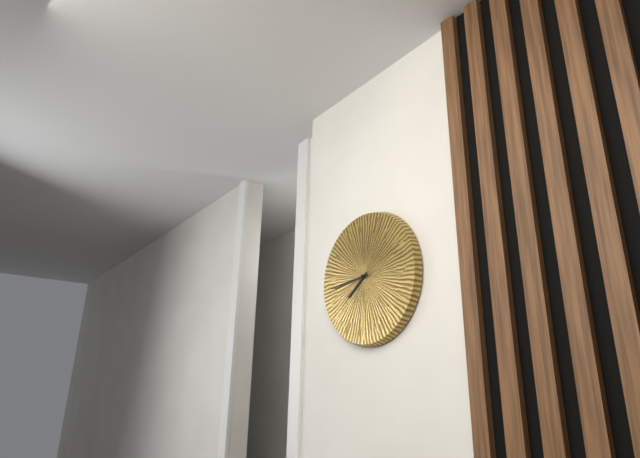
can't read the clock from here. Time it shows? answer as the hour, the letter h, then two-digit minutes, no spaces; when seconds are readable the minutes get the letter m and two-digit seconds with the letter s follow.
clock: 7h44
